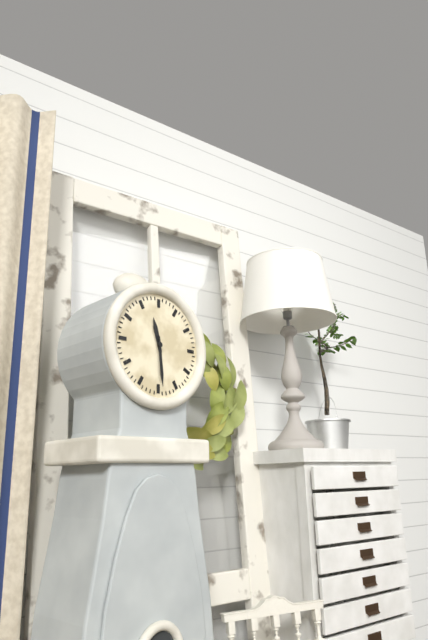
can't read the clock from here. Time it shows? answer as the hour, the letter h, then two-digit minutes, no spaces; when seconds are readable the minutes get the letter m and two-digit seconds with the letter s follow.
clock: 11h29
